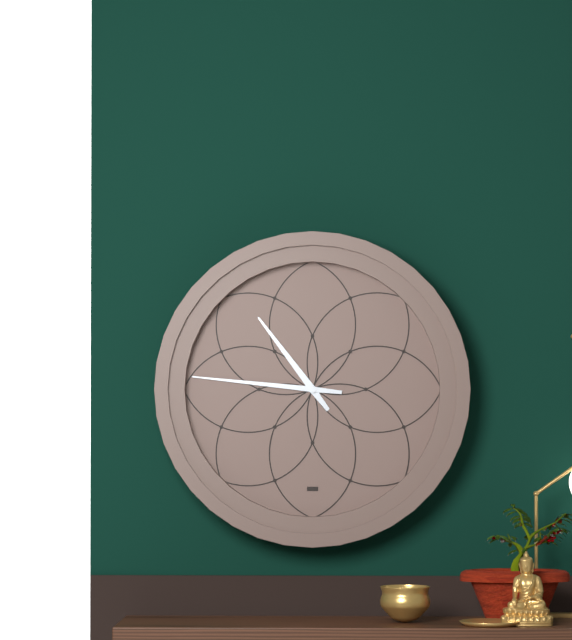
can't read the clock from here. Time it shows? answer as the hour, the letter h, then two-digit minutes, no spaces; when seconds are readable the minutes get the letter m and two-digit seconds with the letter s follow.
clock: 10h46
